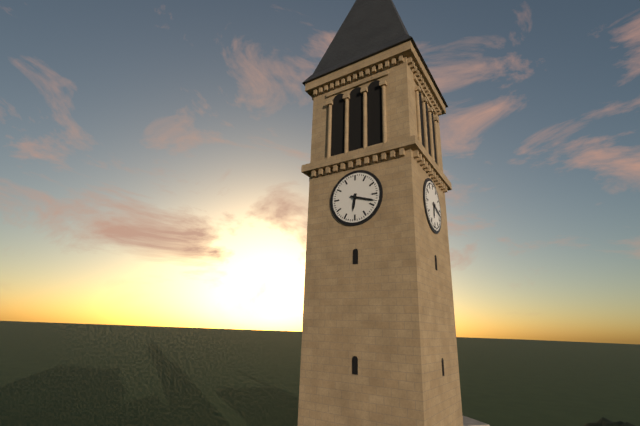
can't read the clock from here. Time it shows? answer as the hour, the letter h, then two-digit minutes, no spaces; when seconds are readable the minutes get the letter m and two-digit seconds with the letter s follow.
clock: 6h18
